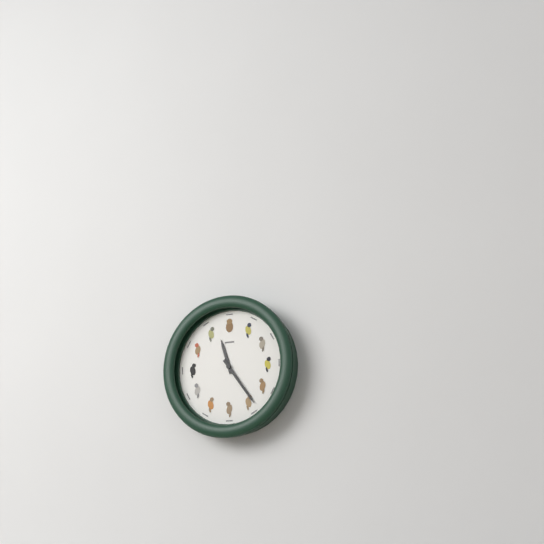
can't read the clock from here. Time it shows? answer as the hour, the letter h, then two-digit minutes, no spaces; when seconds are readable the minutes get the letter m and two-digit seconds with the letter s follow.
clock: 11h24
